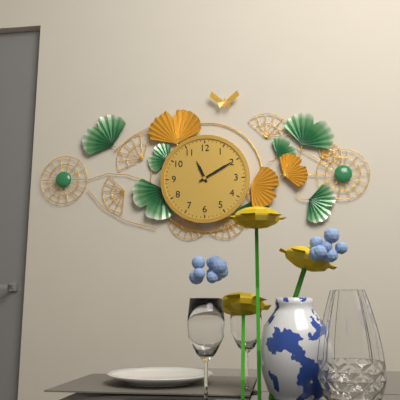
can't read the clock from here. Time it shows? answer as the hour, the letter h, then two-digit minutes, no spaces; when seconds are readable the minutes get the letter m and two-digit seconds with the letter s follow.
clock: 11h10
